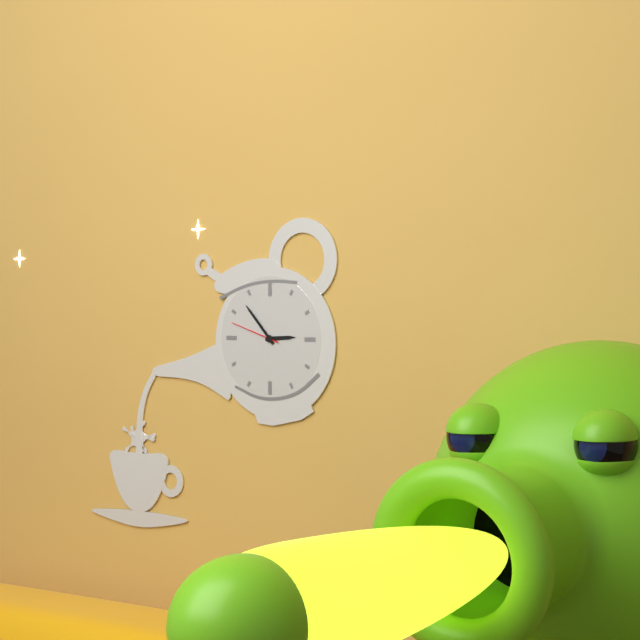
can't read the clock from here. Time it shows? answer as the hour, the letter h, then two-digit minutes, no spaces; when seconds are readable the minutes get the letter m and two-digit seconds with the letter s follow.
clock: 2h53m48s
